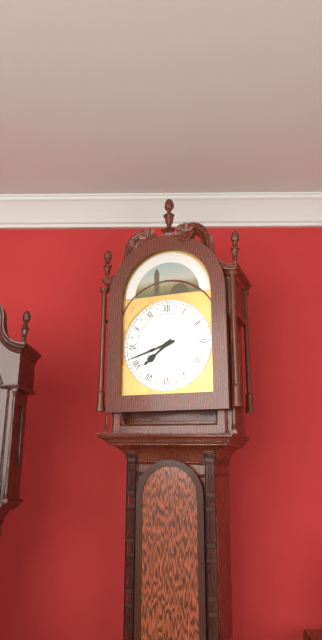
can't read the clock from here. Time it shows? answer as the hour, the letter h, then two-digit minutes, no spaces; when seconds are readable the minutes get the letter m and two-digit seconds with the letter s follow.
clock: 7h42
